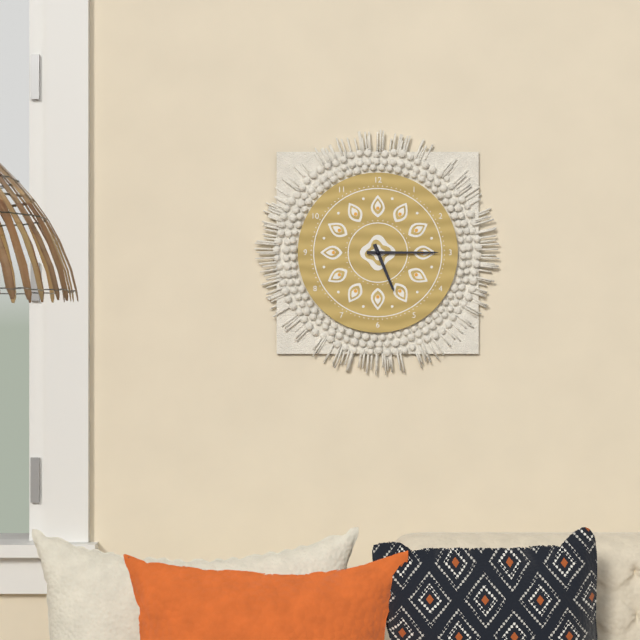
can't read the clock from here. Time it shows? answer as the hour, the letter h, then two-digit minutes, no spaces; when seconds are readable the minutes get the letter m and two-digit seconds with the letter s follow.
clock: 5h15
